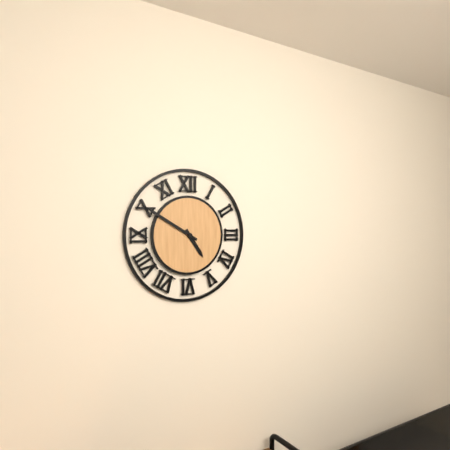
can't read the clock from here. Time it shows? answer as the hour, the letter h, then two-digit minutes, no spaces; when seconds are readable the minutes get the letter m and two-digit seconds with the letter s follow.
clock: 4h50
